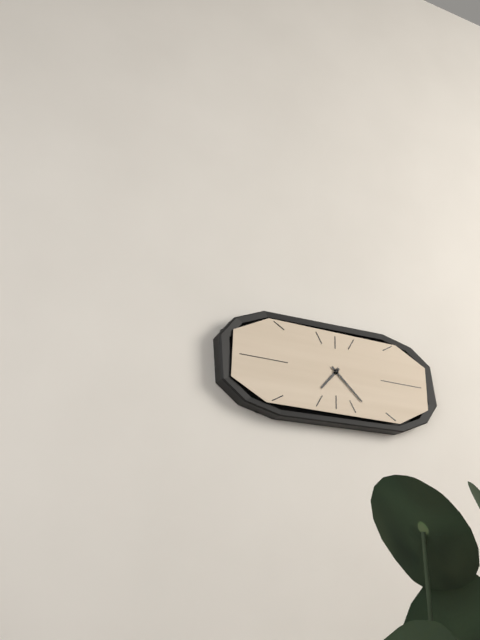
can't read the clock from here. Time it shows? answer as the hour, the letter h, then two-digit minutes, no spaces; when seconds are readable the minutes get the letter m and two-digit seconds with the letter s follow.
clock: 7h22
